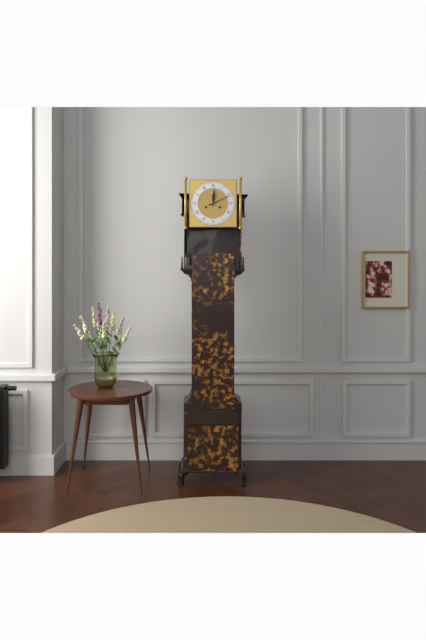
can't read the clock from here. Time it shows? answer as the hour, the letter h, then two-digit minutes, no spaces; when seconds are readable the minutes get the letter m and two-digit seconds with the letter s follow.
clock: 12h11
